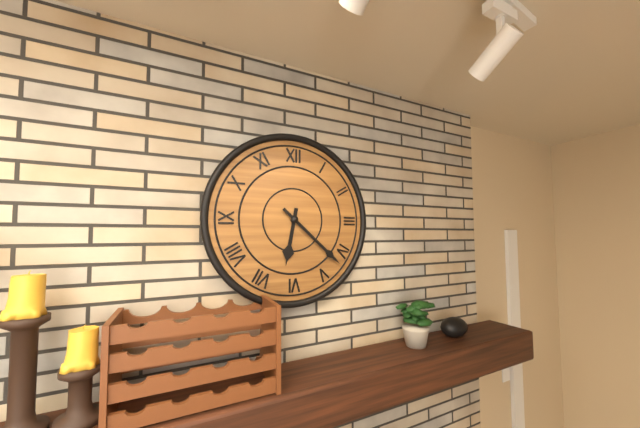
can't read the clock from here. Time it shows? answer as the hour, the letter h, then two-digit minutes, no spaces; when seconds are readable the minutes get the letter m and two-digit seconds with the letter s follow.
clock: 6h22
